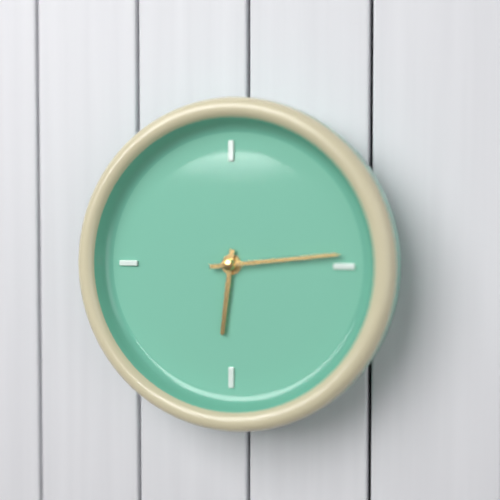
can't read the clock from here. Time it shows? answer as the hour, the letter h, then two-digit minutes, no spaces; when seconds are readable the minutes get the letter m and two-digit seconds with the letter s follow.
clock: 6h14
